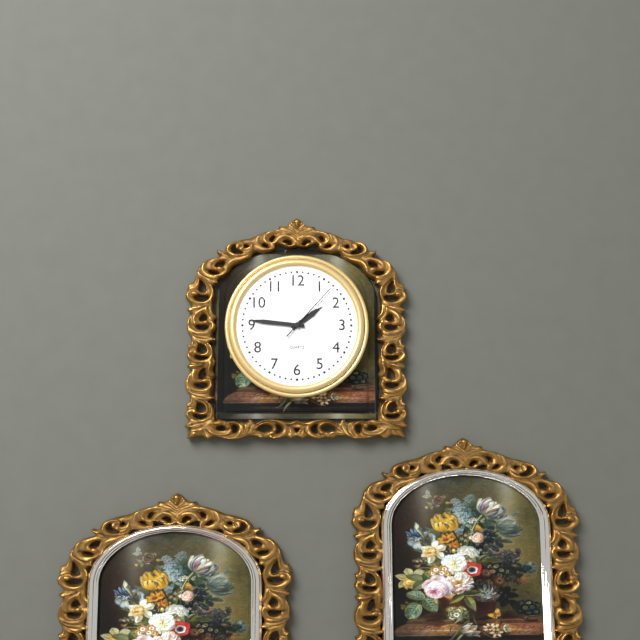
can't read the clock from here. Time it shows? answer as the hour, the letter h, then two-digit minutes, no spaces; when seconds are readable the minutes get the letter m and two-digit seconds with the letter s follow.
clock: 1h46m07s
